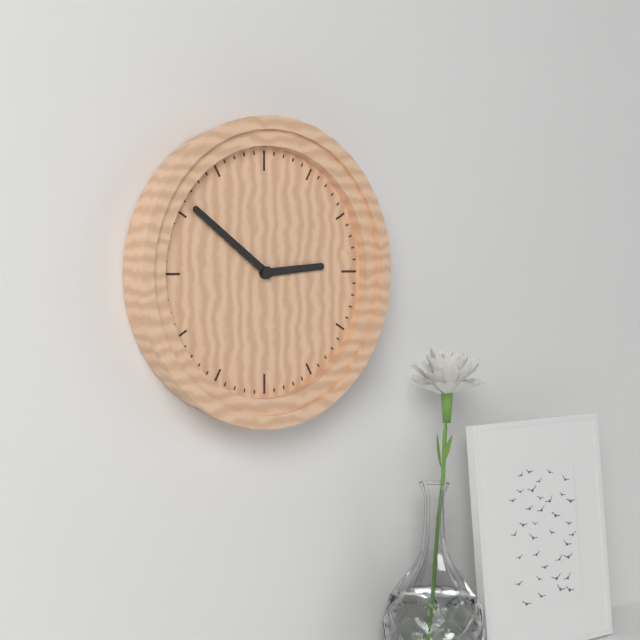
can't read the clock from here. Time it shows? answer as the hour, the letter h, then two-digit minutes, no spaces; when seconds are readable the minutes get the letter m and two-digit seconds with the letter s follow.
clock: 2h51
